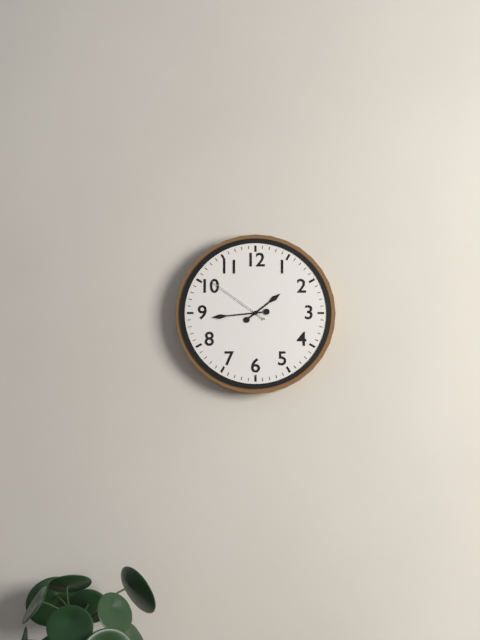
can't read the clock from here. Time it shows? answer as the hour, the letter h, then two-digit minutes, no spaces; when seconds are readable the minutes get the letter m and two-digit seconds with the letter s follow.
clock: 1h44m51s
